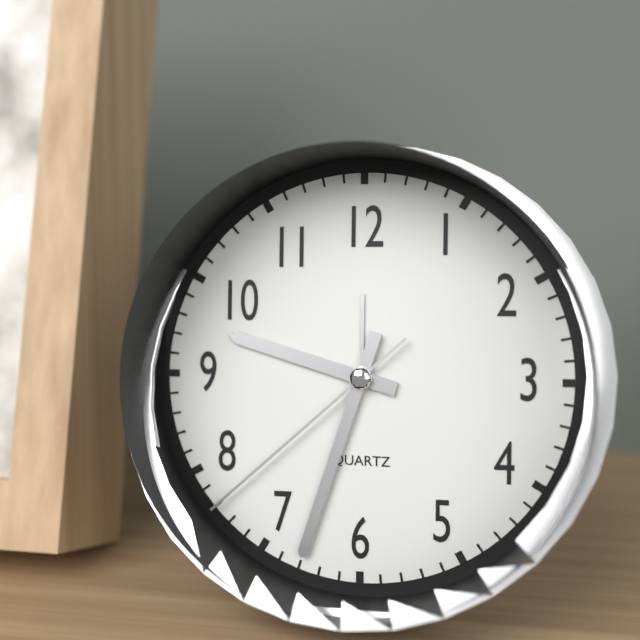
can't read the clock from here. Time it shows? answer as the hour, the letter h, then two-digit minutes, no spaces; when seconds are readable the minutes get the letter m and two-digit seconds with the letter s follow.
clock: 9h33m38s
